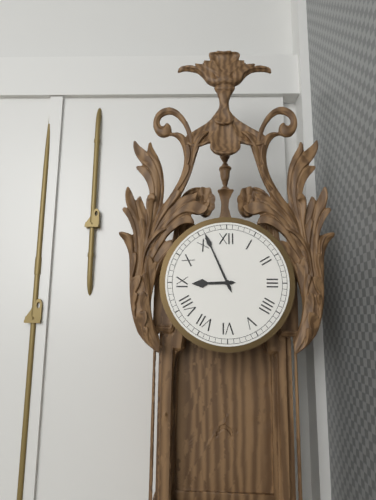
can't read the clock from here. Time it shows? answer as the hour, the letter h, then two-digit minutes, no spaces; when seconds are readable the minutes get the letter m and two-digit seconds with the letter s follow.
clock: 8h56
